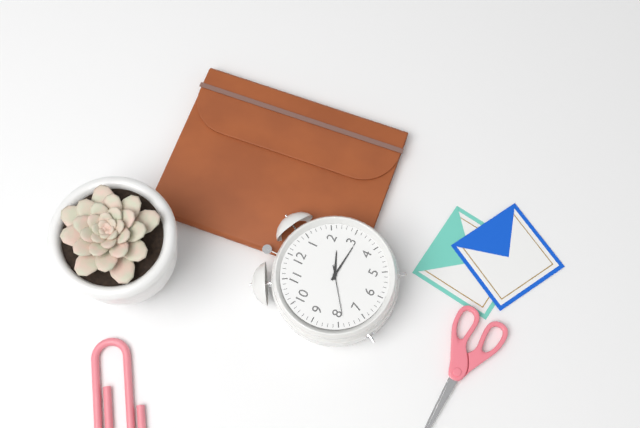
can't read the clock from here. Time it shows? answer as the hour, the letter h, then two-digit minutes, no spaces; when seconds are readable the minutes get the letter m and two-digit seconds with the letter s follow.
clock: 2h16m39s
